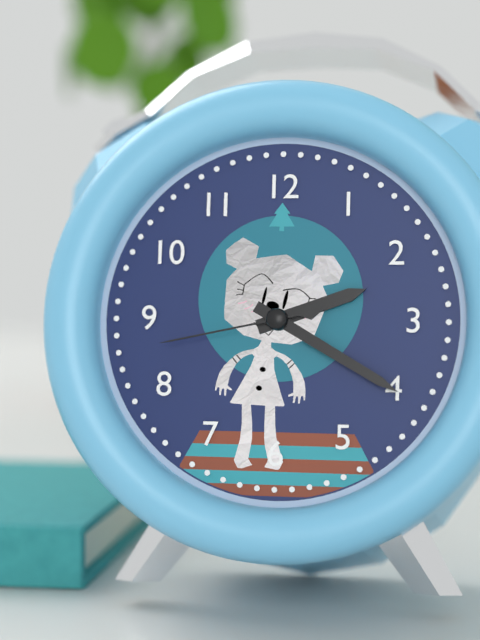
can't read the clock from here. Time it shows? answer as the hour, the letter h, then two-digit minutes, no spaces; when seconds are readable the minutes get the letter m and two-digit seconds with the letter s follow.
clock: 2h20m43s
